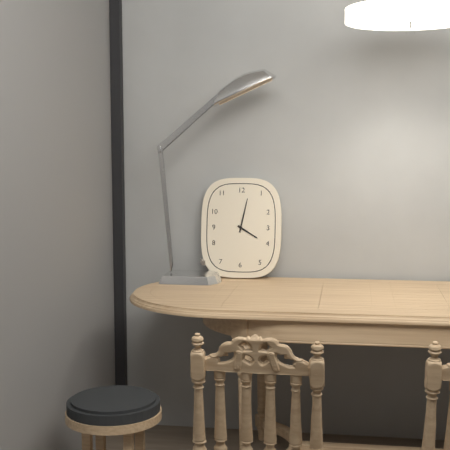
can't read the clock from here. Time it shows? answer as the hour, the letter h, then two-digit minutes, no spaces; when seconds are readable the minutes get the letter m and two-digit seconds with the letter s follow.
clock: 4h02
